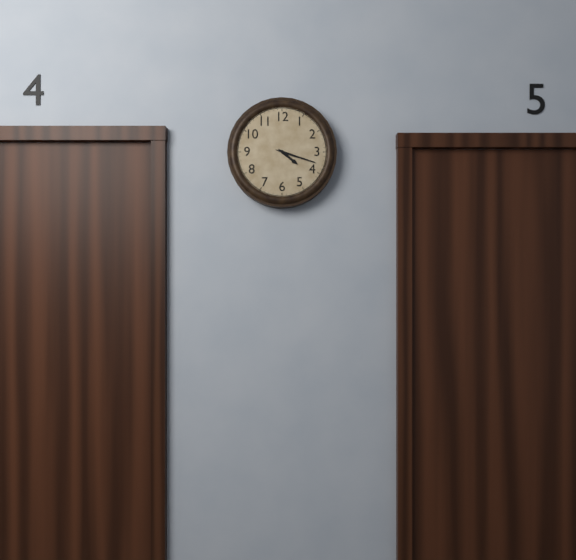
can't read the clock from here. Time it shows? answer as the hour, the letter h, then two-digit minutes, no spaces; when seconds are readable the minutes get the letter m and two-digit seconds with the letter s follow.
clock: 4h18
